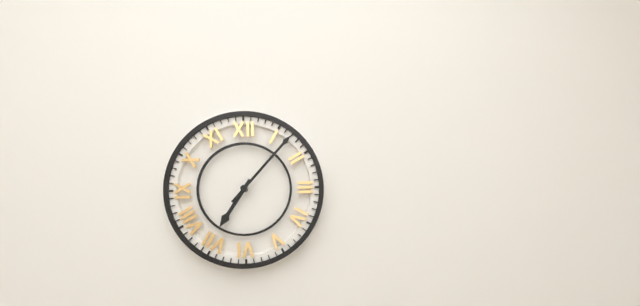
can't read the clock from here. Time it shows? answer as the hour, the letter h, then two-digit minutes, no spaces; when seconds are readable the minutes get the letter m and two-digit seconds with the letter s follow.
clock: 7h07
